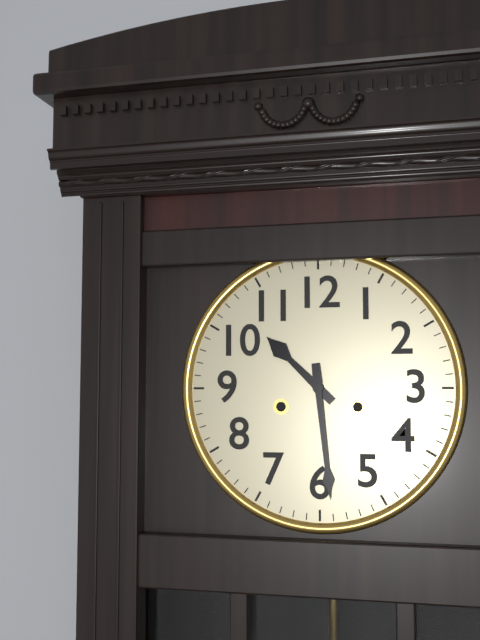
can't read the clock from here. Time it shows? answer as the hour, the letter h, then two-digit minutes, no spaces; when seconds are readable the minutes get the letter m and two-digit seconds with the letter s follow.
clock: 10h29
